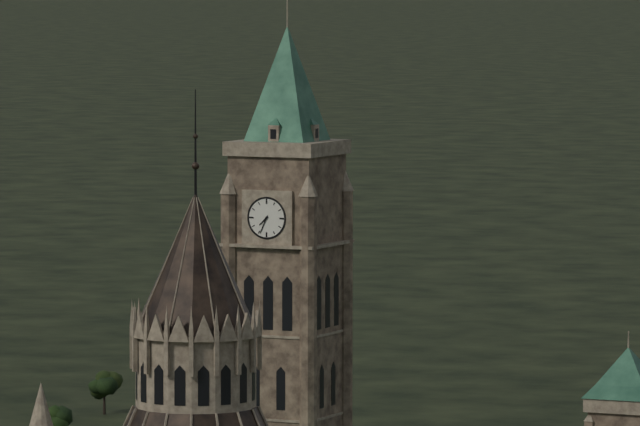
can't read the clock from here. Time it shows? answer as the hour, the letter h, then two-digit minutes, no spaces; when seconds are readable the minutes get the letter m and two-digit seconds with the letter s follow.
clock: 7h34
